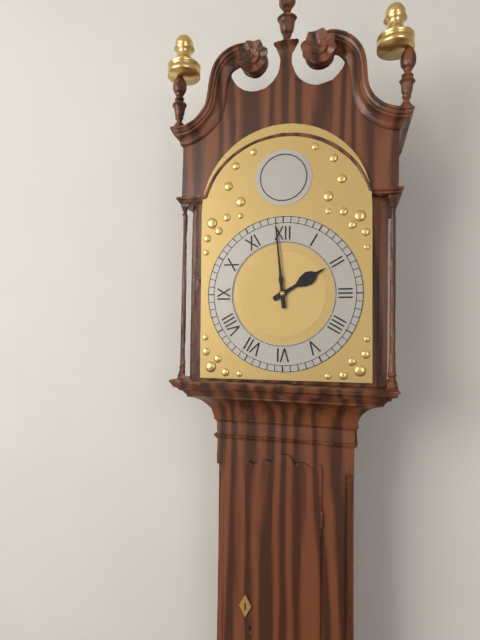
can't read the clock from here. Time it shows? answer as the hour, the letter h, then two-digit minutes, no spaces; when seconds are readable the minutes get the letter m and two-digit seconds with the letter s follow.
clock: 1h59
